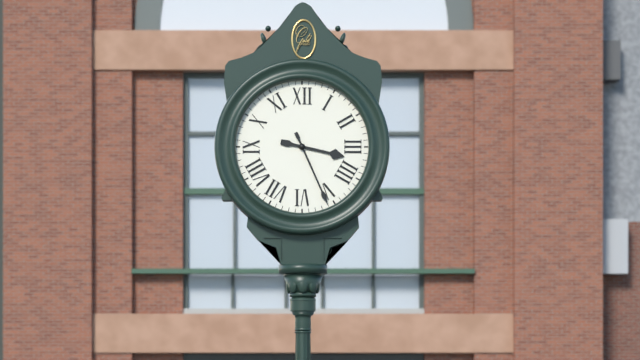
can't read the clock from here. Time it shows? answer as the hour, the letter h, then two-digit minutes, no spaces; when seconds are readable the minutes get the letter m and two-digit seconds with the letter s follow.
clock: 3h26
